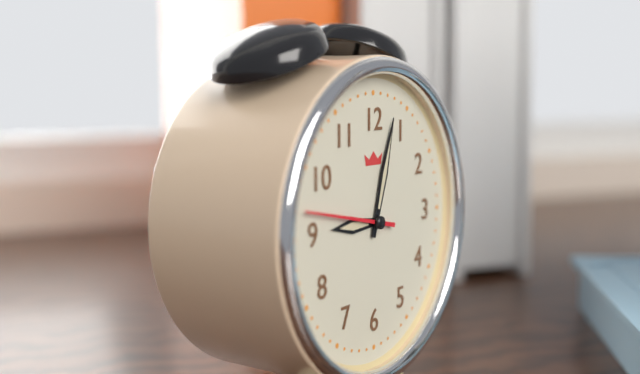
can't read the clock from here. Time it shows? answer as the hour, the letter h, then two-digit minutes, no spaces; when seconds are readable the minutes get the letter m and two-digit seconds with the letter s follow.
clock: 9h03m47s
